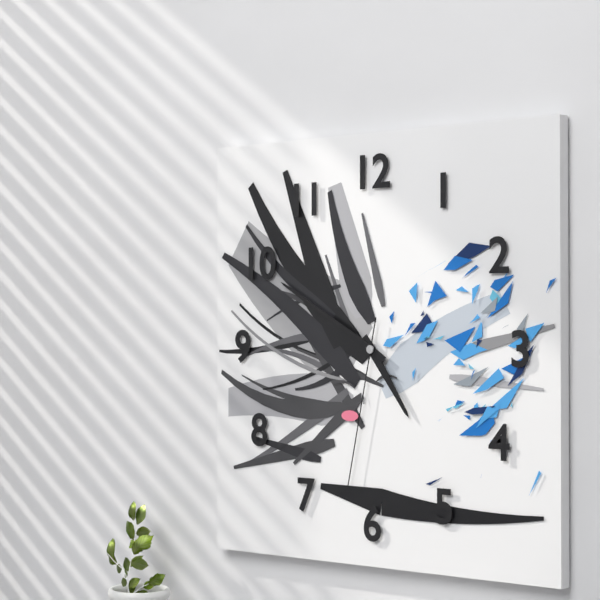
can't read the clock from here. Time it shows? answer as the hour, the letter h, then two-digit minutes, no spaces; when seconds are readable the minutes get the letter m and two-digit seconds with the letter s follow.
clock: 4h50m32s
